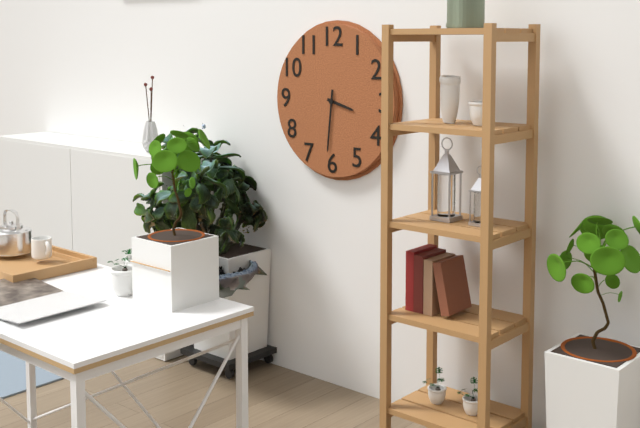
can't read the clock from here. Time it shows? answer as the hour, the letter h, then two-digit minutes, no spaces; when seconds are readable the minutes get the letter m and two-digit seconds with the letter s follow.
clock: 3h31
